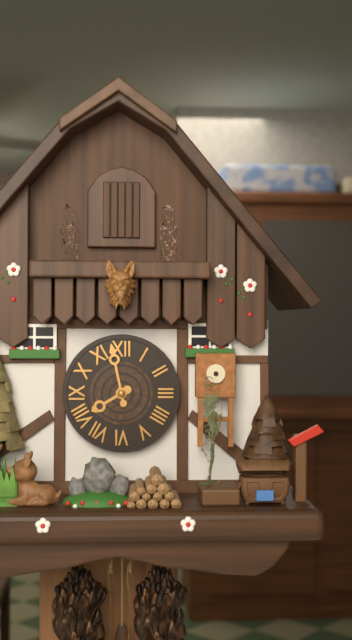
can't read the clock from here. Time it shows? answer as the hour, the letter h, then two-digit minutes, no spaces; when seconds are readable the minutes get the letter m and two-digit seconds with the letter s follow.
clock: 7h58
